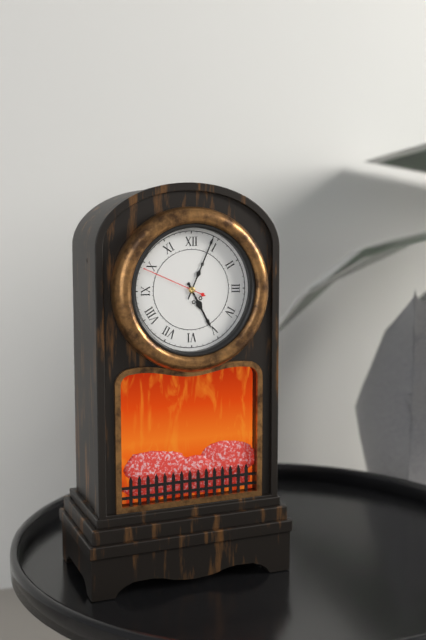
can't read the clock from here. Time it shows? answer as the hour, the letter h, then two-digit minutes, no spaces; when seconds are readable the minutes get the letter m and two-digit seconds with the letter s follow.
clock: 5h04m49s
